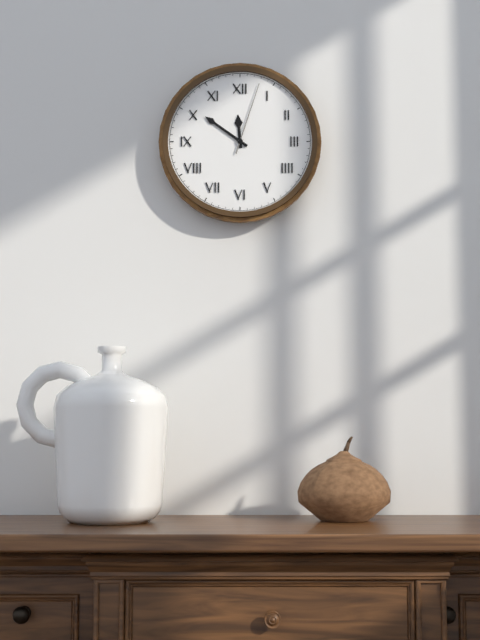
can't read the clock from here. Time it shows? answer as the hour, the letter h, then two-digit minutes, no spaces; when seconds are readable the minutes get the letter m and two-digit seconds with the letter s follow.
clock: 11h51m03s
